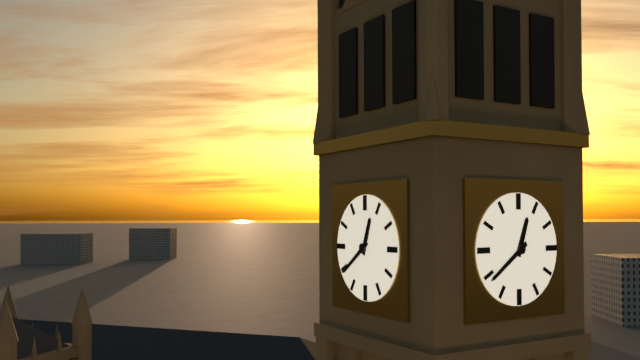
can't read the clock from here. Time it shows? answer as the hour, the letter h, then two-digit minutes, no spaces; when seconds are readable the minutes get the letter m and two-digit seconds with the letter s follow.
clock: 12h39
